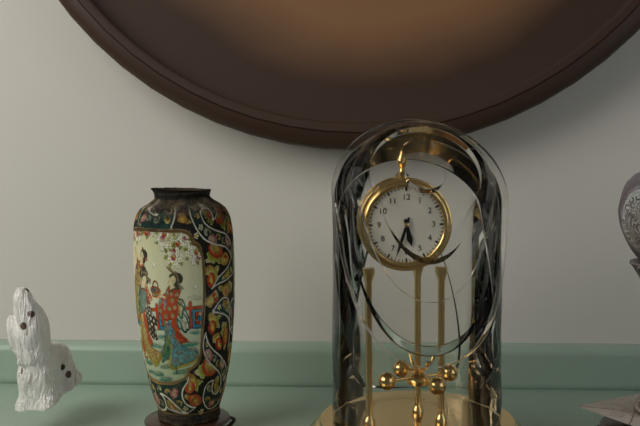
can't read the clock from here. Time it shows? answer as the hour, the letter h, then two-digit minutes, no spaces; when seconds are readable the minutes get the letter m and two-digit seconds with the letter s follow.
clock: 5h33
